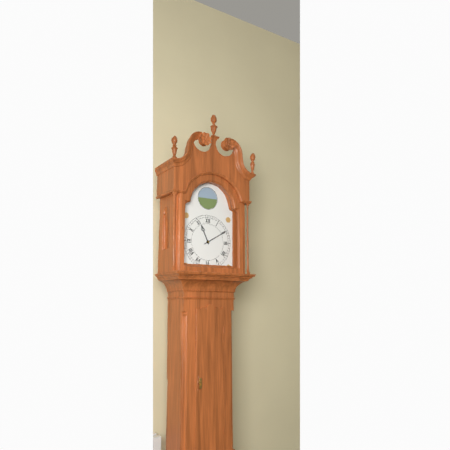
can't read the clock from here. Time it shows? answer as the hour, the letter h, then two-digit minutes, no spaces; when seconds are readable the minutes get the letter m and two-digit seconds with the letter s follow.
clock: 11h10
